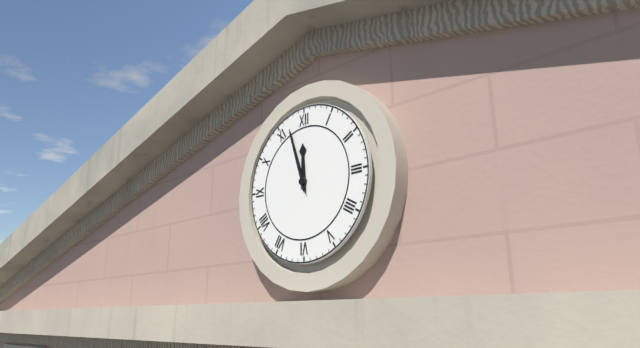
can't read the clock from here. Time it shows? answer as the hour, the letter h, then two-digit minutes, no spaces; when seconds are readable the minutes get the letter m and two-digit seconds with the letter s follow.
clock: 11h57
